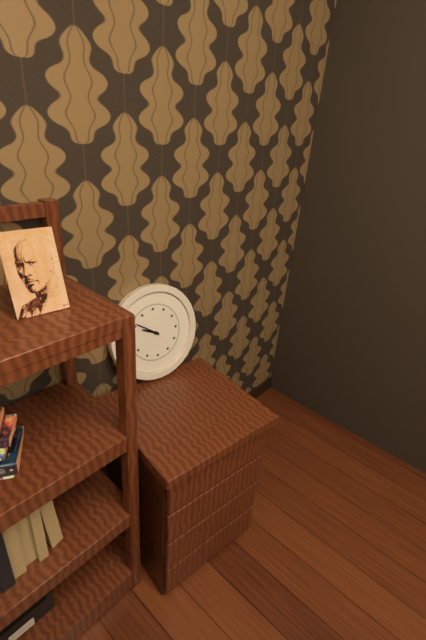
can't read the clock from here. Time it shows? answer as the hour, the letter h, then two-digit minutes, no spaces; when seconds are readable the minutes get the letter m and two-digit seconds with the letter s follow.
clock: 9h51
